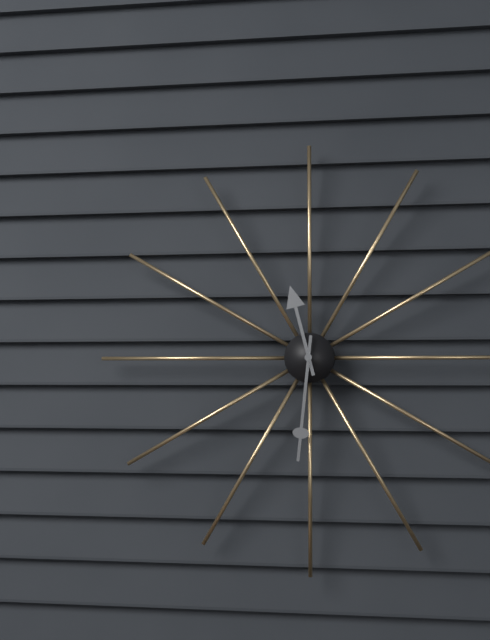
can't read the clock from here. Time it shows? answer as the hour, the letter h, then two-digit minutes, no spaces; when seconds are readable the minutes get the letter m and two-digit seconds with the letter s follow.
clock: 11h31
